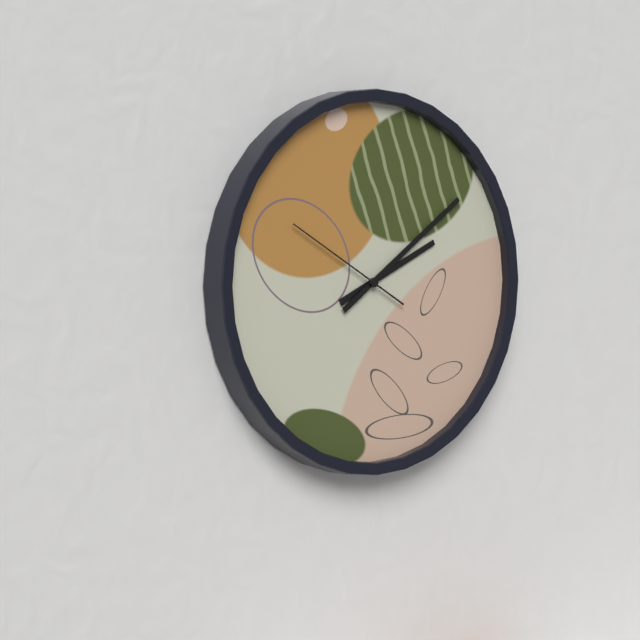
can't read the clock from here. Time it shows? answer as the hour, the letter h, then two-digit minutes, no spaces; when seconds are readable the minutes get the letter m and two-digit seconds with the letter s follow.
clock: 2h09m50s
